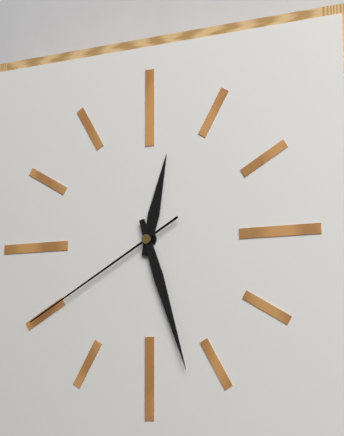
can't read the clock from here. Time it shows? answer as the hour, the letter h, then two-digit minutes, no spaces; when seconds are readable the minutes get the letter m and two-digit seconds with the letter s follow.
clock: 12h27m40s
